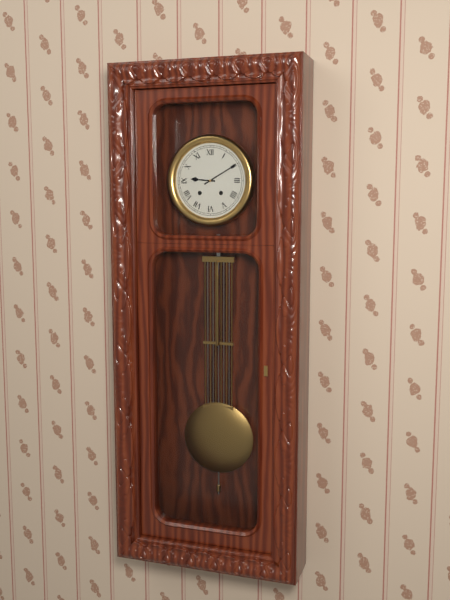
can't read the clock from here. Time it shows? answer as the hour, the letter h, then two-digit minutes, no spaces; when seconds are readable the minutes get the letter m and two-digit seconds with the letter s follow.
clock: 9h10
